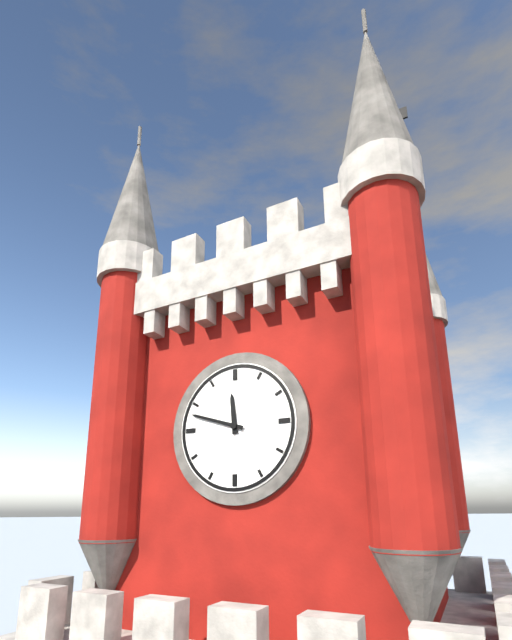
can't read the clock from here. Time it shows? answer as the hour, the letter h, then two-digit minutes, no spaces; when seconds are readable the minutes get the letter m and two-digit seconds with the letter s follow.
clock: 11h48
